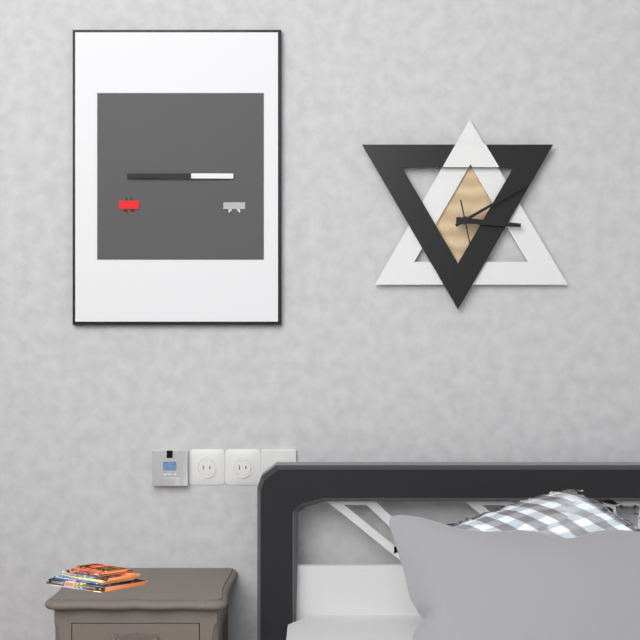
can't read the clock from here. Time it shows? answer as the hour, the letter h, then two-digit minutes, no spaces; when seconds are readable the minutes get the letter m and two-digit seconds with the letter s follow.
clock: 3h10
